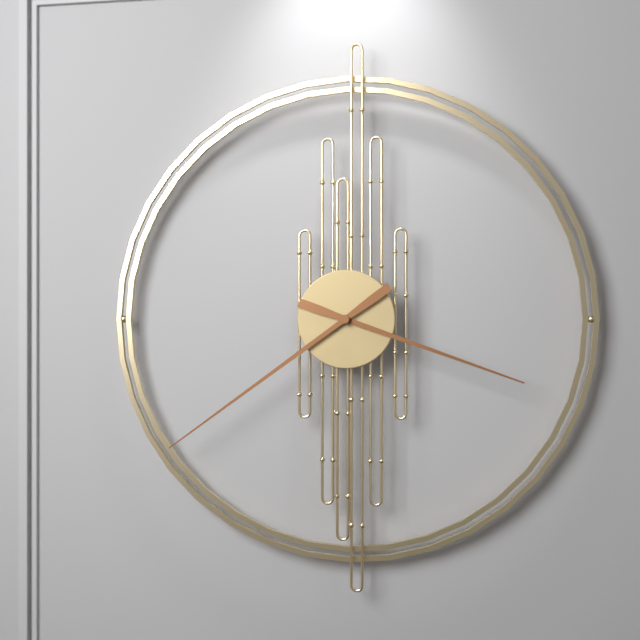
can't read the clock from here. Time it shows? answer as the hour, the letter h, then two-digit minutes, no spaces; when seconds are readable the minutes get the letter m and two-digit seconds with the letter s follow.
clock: 3h39
